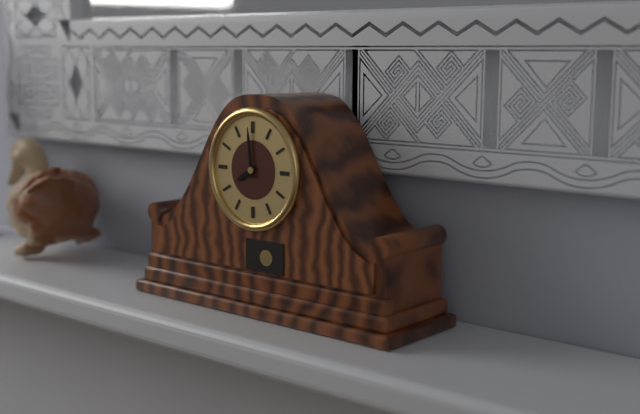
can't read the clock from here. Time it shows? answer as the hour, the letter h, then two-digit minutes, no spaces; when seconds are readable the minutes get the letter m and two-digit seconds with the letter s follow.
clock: 7h59
